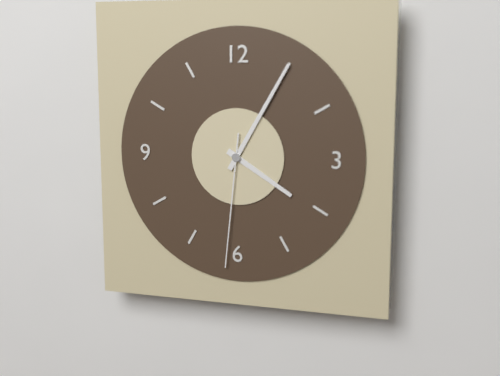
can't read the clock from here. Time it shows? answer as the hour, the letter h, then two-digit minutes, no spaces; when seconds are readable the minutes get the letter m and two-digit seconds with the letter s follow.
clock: 4h05m31s
